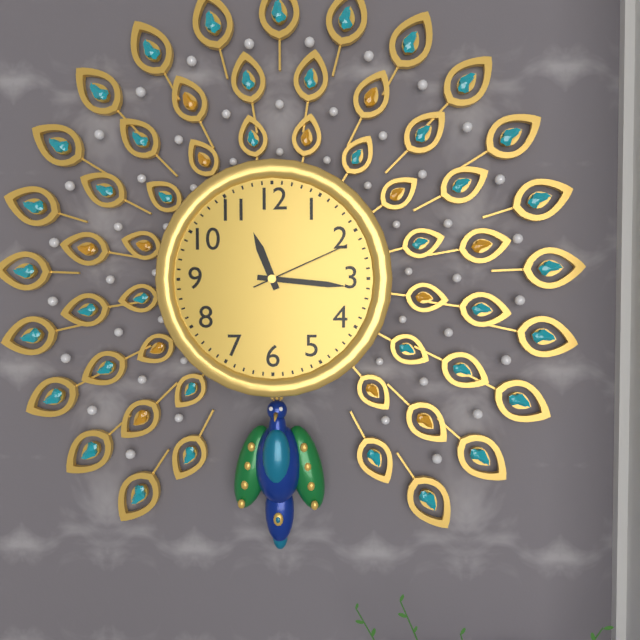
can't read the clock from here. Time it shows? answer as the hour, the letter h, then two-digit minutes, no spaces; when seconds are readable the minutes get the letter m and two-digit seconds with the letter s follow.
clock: 11h16m11s
